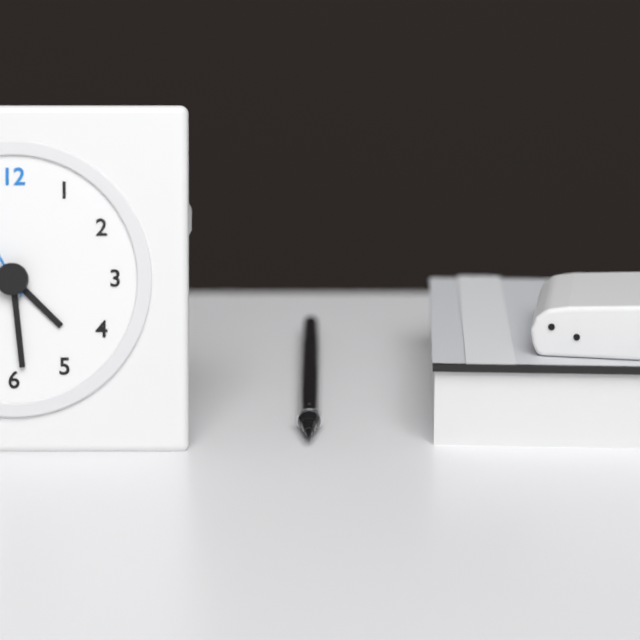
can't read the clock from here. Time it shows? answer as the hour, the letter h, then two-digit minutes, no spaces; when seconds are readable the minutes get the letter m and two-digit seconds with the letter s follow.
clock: 4h29
